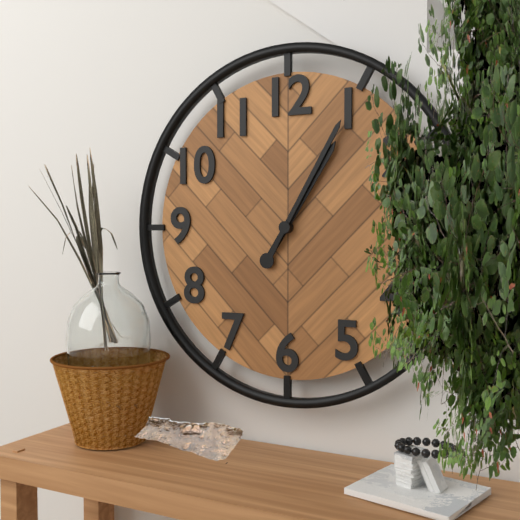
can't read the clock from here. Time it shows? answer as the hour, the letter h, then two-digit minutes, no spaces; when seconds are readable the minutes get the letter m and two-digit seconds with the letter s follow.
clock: 1h05
